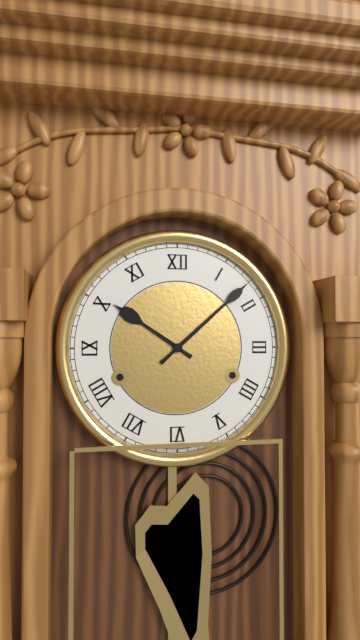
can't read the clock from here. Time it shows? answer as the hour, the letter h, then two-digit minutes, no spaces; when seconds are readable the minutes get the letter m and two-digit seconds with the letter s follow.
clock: 10h08
